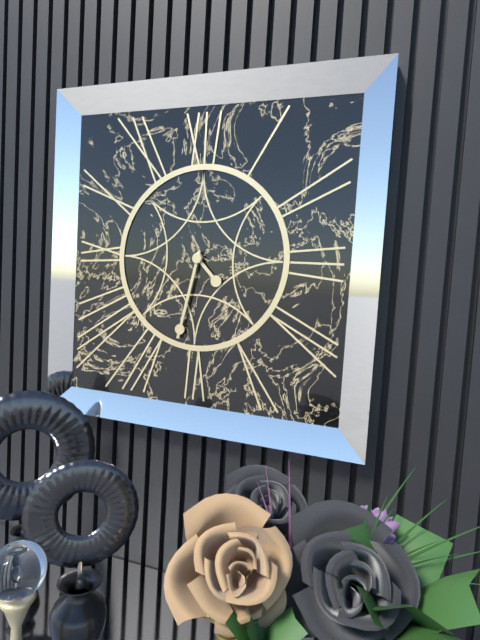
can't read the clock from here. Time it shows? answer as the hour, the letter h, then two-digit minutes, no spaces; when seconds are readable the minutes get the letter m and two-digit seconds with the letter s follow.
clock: 4h32
